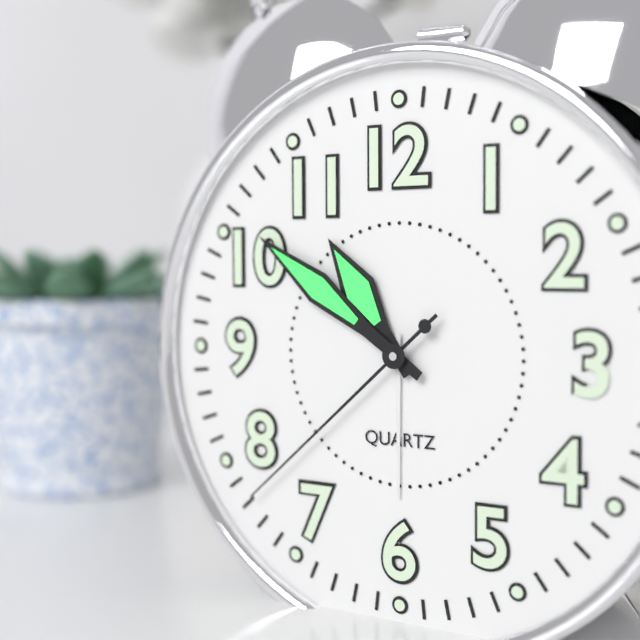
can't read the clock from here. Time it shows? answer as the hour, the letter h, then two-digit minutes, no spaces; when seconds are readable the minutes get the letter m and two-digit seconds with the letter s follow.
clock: 10h51m38s
